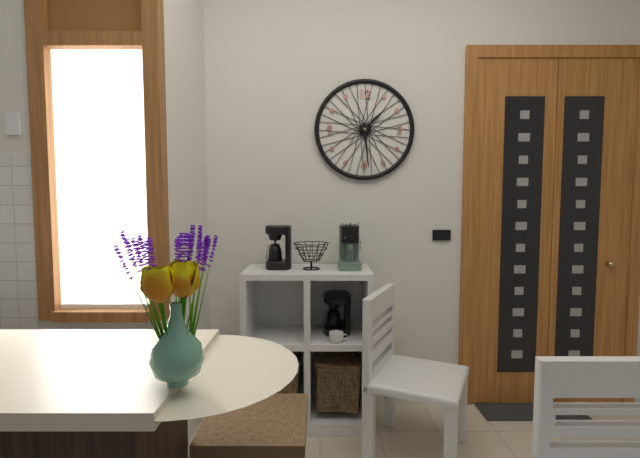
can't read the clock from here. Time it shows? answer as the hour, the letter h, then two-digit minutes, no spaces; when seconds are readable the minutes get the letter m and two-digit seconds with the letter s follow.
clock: 1h29
